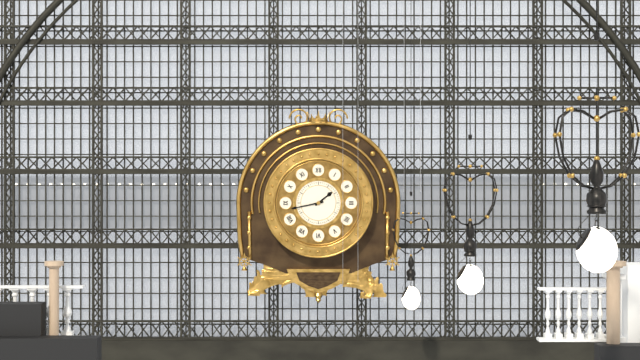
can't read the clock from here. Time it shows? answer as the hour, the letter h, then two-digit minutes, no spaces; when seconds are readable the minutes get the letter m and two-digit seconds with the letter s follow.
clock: 1h43
